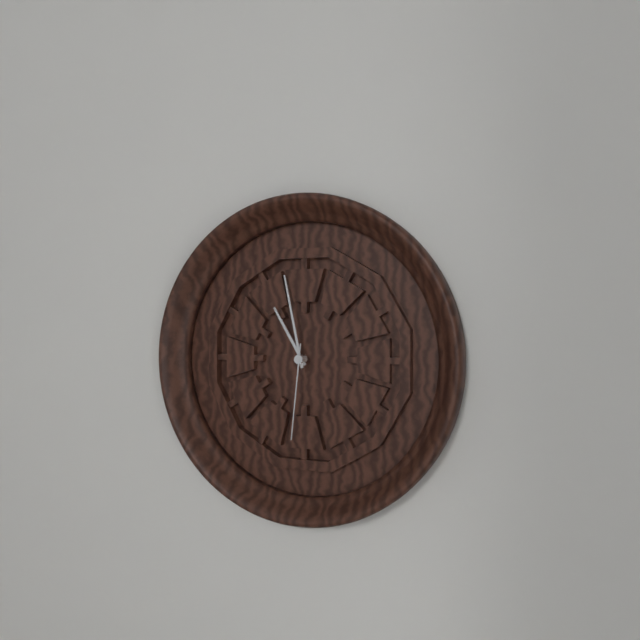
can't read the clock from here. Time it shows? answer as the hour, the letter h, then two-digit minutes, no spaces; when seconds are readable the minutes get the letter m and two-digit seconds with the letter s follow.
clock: 10h58m31s
